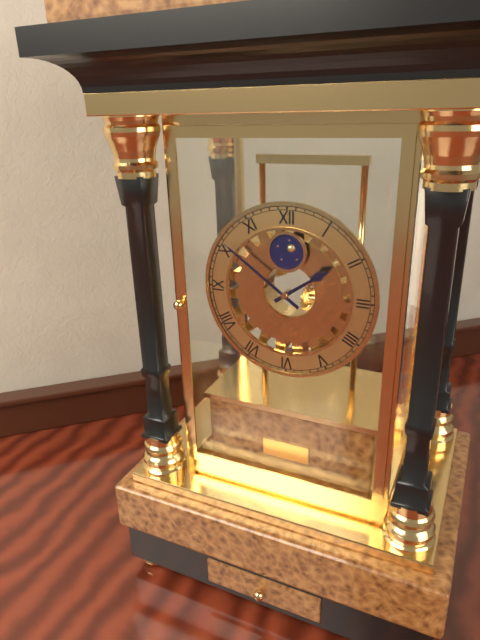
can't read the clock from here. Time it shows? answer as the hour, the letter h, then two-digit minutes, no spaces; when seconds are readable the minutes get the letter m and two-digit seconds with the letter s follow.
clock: 1h51
